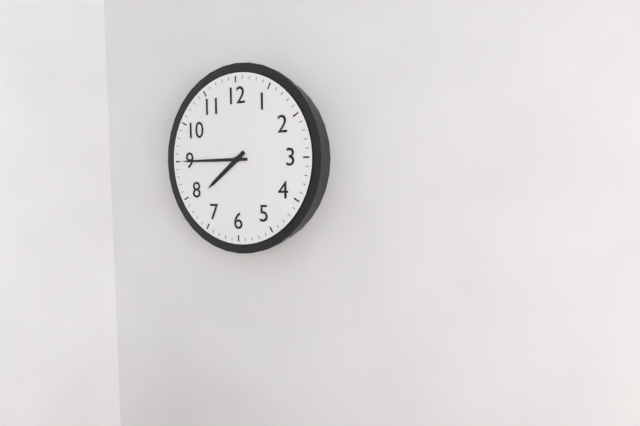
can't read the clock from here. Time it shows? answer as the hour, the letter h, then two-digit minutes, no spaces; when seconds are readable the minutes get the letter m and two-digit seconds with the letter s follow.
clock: 7h45
